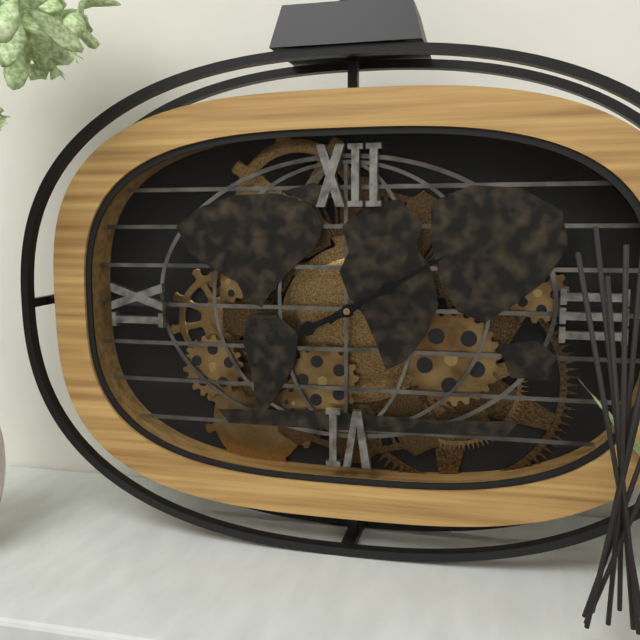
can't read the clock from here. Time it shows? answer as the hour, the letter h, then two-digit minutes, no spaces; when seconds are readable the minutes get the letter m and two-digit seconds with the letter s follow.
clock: 8h10
